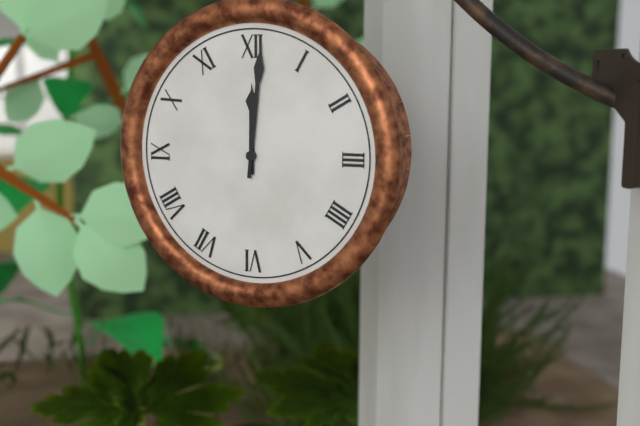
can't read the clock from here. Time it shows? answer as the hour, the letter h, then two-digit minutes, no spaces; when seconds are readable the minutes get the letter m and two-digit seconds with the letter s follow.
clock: 12h01
